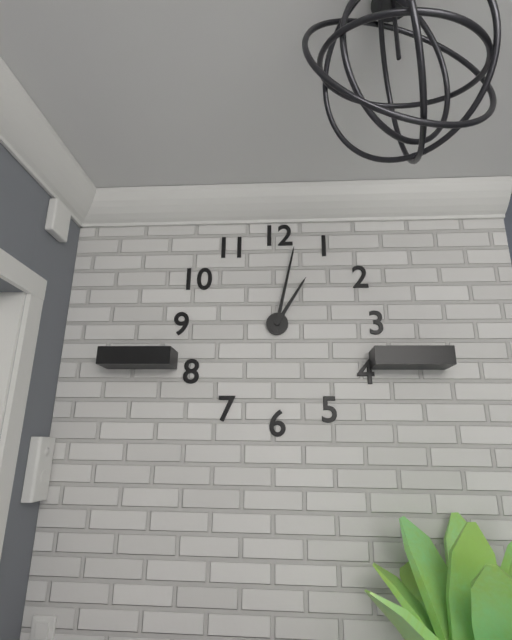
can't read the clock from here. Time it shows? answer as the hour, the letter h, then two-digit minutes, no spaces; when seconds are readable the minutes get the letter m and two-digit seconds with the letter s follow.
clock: 1h02
